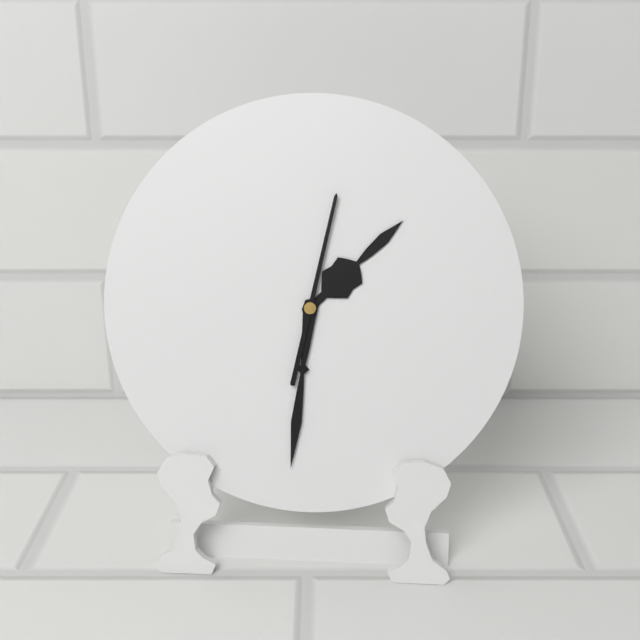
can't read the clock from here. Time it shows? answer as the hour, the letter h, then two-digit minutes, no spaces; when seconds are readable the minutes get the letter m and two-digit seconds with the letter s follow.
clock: 1h31m02s
